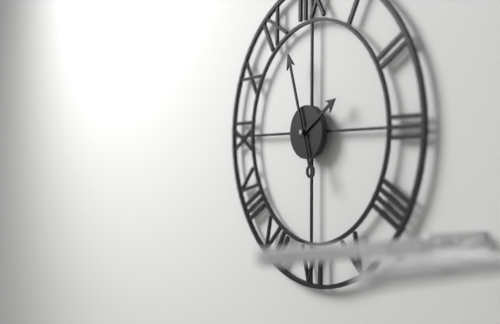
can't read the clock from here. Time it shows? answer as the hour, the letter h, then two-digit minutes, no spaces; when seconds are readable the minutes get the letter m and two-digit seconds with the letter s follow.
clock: 1h57
